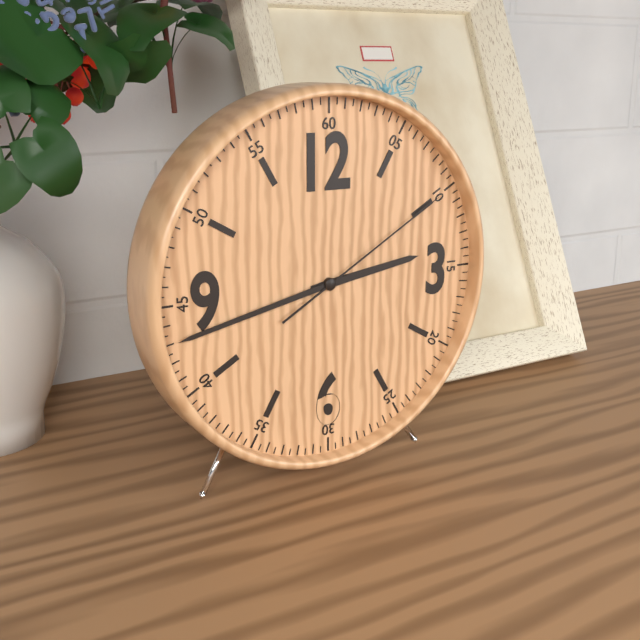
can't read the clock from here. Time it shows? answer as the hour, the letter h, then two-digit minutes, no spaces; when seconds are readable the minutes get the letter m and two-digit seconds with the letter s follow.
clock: 2h43m10s
